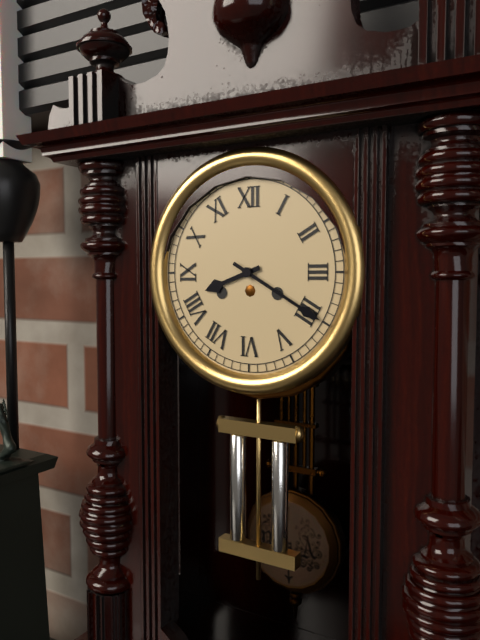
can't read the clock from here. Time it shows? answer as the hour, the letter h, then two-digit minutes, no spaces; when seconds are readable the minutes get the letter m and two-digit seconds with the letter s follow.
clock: 8h20
